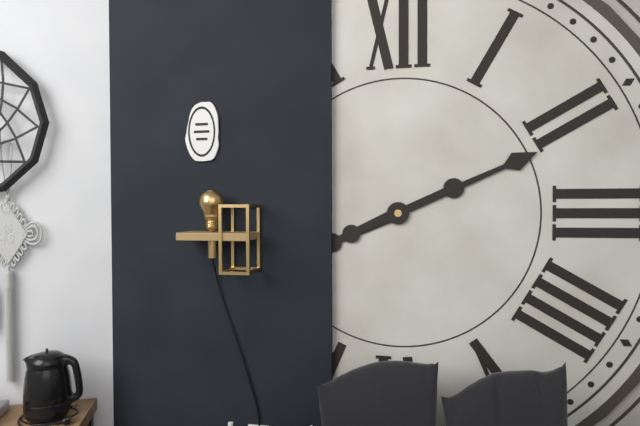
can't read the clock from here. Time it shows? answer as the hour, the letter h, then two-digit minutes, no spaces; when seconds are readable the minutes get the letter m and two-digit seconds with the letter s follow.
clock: 8h11
